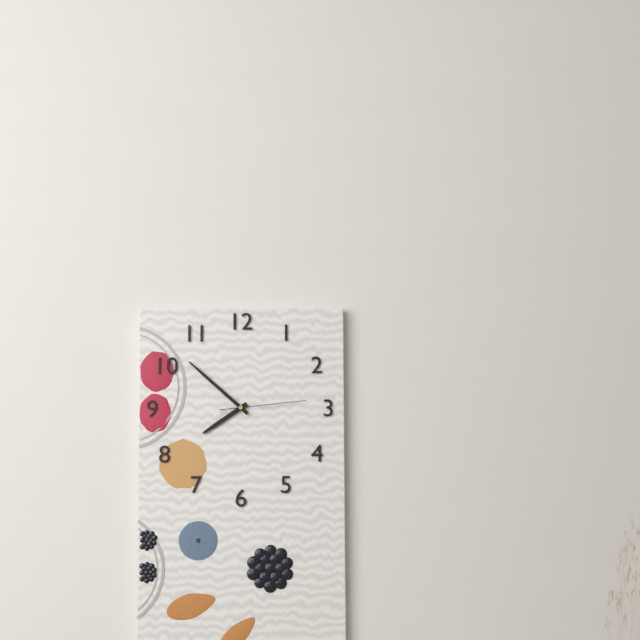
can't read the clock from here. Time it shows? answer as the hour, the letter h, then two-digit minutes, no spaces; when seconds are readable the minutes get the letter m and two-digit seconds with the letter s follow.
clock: 7h52m14s
